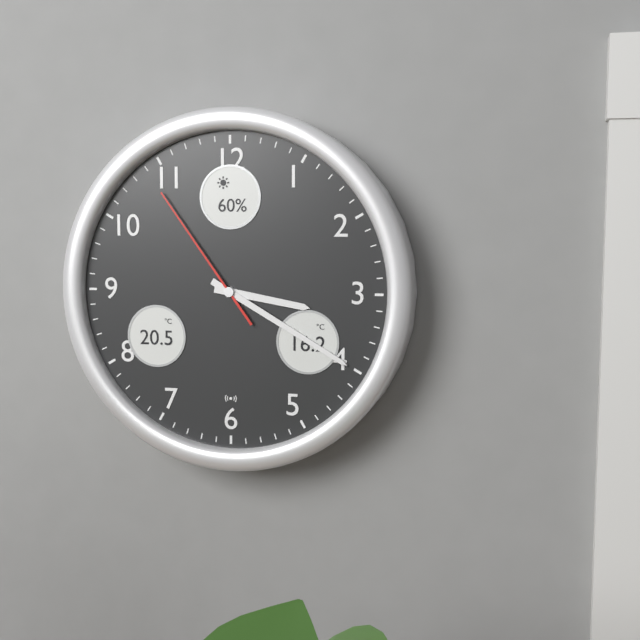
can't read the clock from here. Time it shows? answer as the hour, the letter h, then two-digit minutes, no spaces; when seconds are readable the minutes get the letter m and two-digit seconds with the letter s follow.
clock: 3h20m54s
